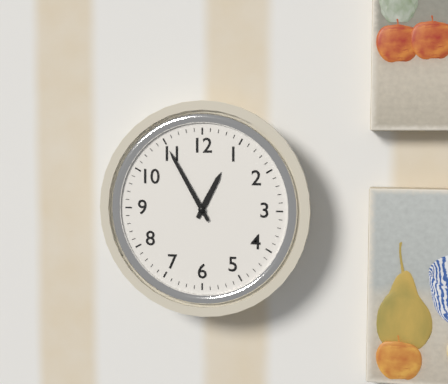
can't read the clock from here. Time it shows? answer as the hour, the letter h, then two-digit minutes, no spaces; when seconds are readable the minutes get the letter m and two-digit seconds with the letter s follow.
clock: 12h55
